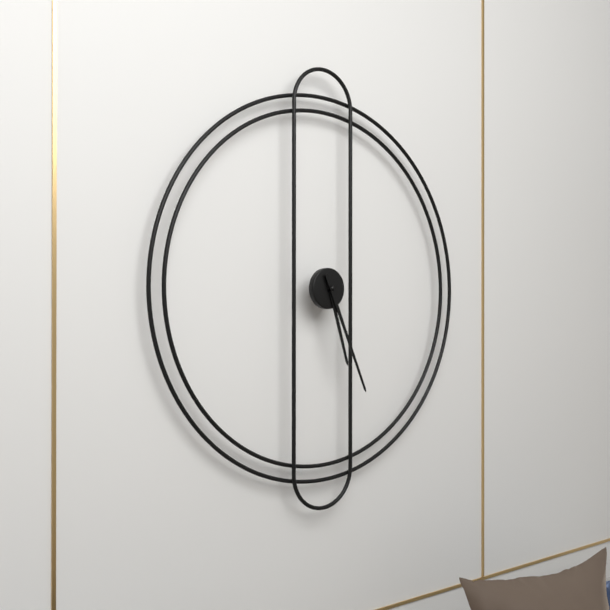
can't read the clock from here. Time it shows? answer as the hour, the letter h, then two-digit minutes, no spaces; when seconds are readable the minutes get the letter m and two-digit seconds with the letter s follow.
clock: 5h26
